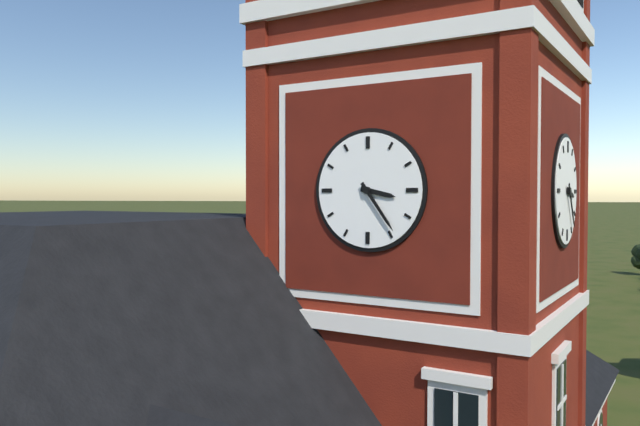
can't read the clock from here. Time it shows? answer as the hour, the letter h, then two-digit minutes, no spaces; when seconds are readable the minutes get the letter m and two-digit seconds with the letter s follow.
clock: 3h24
